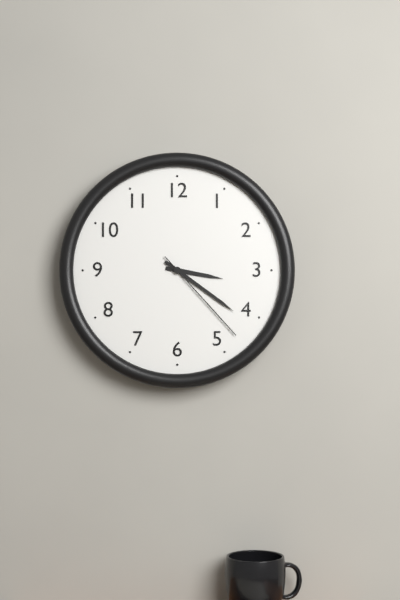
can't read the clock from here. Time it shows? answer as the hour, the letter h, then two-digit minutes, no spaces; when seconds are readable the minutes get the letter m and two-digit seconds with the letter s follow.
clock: 3h21m23s
